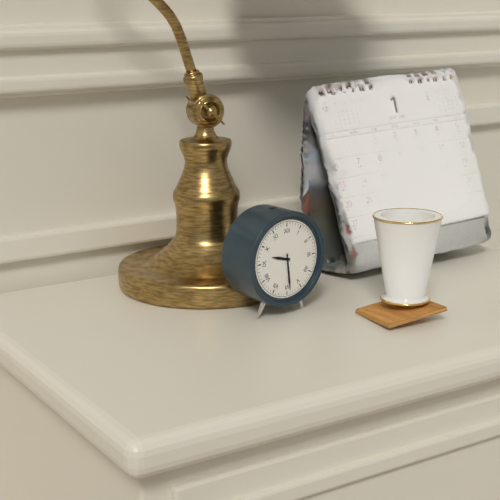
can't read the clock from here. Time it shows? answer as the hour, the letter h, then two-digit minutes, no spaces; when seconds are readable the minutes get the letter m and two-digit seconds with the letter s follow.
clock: 9h29
